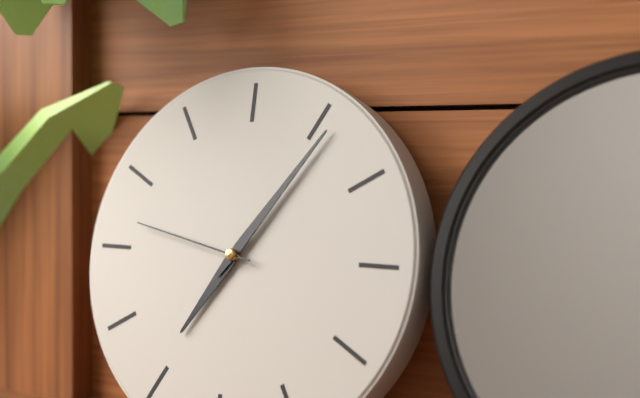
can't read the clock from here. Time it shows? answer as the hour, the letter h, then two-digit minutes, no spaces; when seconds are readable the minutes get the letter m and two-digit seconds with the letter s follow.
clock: 7h06m47s
